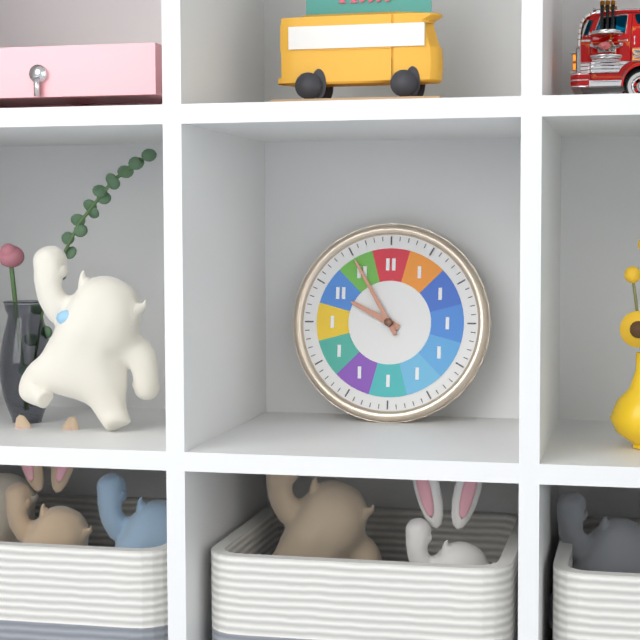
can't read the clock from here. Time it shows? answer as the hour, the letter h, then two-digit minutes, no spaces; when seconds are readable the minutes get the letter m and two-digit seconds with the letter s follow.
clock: 9h55
